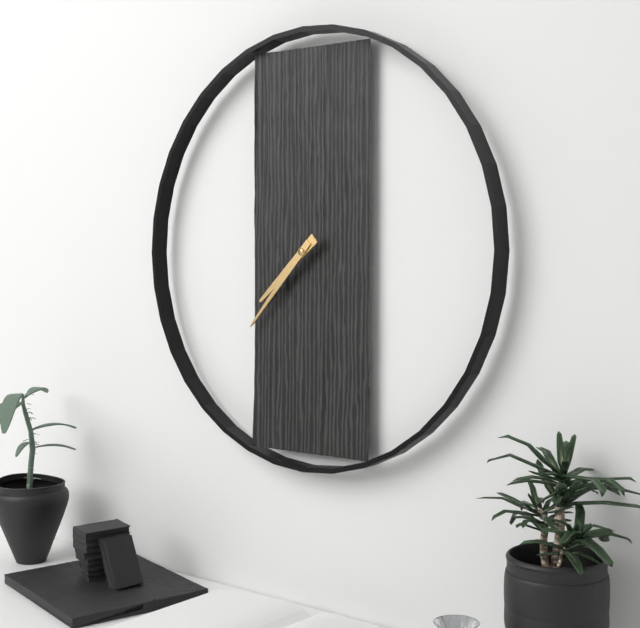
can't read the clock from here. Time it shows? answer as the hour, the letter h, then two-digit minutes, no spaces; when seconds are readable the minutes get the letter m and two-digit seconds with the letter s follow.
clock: 7h37
